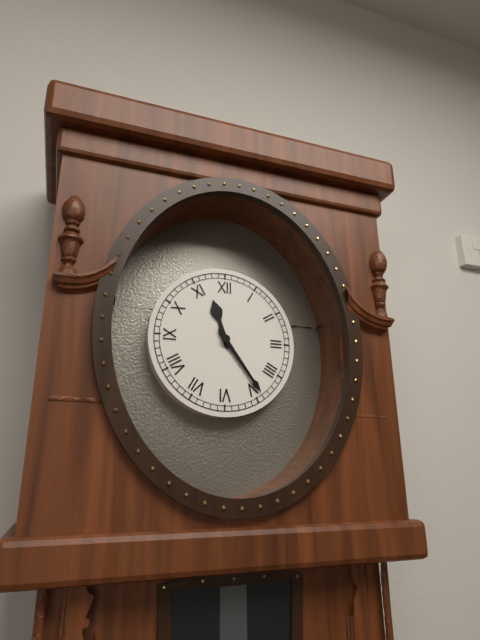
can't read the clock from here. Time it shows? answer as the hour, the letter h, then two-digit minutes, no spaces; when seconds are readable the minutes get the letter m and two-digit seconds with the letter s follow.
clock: 11h24
